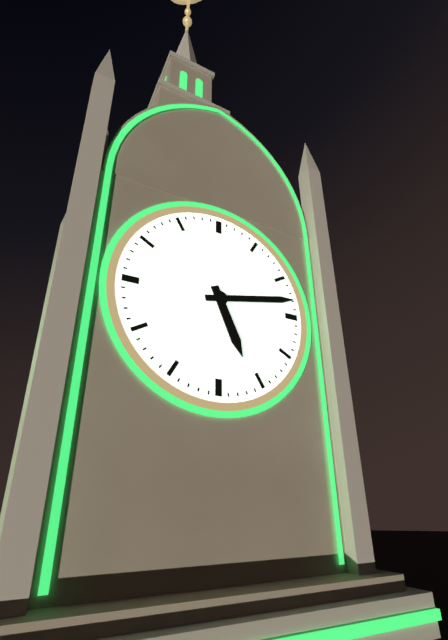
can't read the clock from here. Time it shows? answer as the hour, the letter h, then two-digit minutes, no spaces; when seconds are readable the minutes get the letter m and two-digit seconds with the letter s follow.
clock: 5h13
